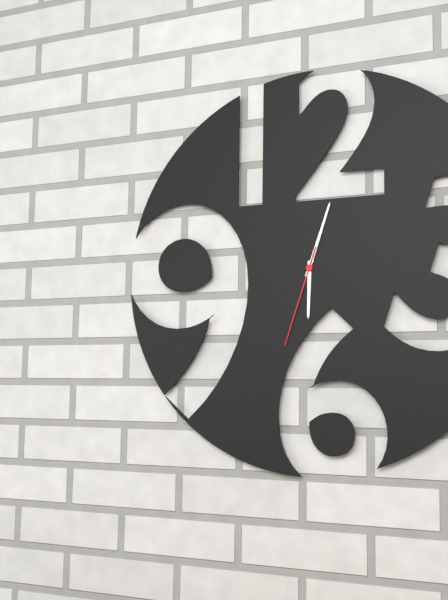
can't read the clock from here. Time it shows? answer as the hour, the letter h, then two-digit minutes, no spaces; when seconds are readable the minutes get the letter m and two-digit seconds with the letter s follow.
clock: 6h03m33s
